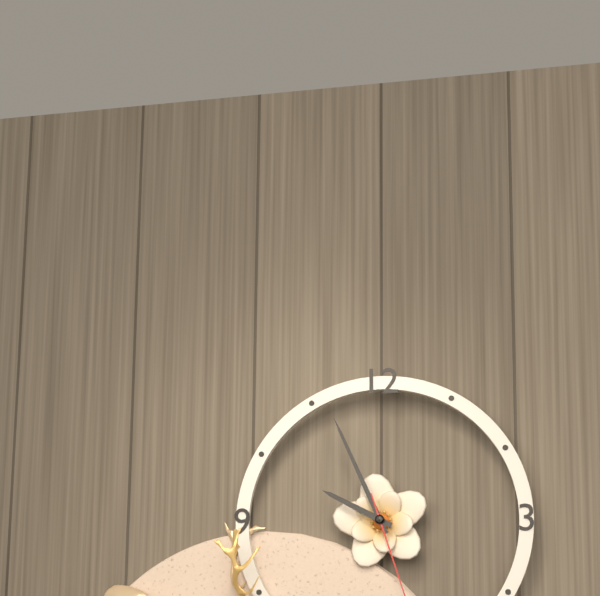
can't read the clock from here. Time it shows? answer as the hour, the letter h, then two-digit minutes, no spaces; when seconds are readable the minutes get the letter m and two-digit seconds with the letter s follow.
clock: 9h56
